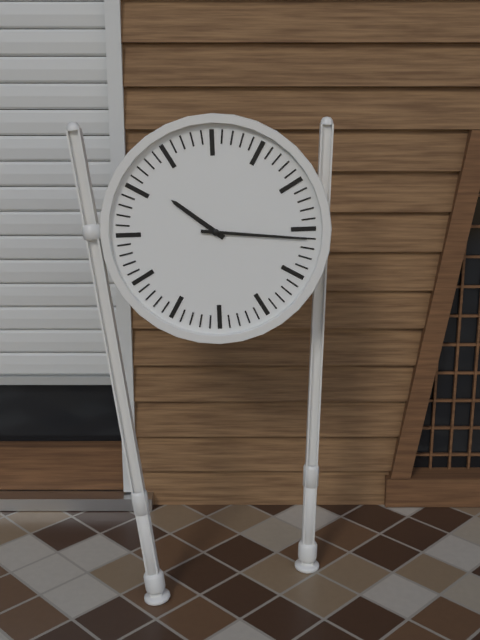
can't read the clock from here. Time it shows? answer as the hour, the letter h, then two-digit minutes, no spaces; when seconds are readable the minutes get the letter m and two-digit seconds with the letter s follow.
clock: 10h16
